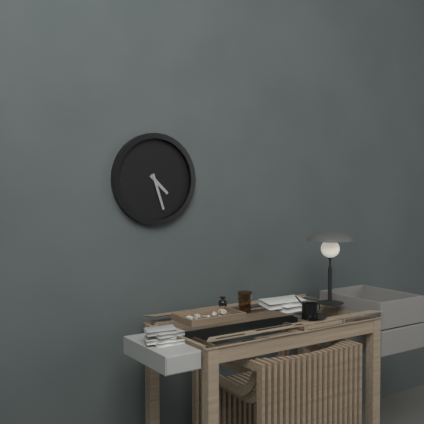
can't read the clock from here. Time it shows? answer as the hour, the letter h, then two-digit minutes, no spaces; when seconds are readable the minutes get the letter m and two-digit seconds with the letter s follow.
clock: 4h27
